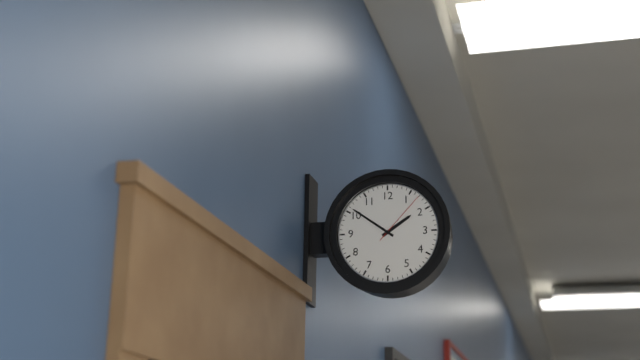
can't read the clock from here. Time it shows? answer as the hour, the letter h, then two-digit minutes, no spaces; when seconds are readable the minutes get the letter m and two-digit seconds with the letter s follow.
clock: 1h51m07s
